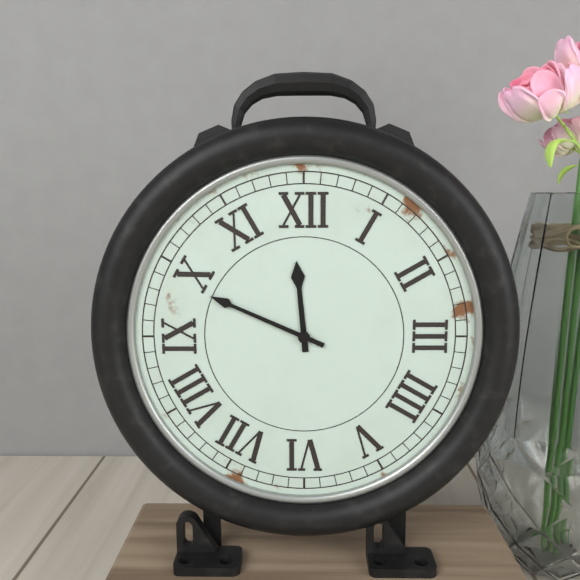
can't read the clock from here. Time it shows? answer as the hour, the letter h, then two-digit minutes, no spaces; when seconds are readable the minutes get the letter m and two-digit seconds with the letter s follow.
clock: 11h49
